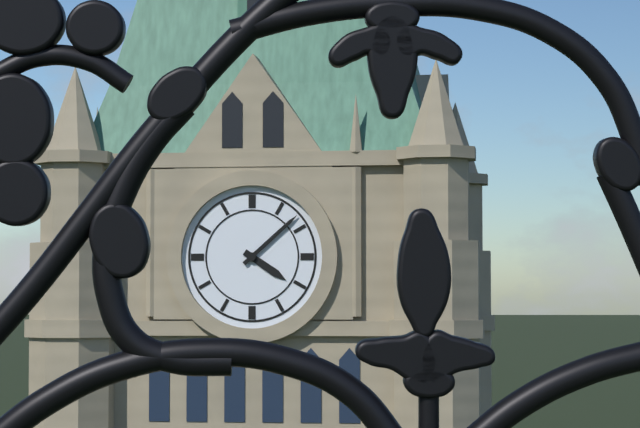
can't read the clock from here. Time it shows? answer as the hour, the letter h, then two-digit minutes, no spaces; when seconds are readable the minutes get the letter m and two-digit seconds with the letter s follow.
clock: 4h08
